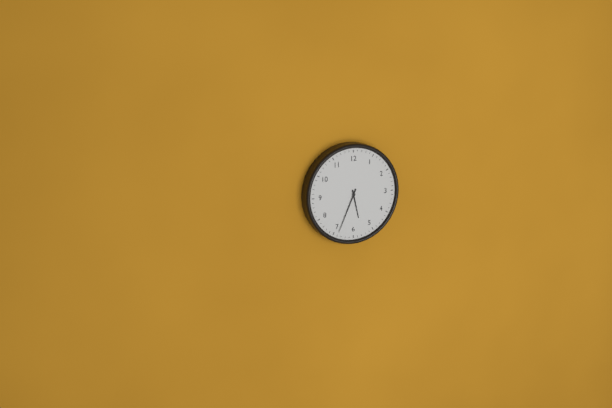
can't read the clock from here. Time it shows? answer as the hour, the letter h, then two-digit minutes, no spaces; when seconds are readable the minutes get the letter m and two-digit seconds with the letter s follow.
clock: 5h34
